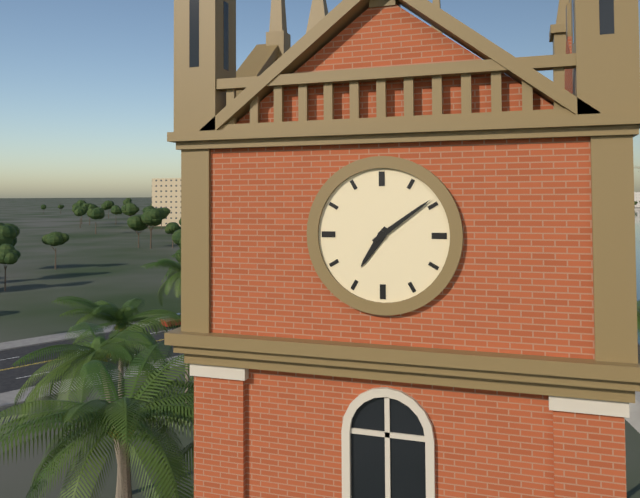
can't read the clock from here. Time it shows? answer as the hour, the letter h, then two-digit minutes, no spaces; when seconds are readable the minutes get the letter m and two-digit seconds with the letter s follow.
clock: 7h09
